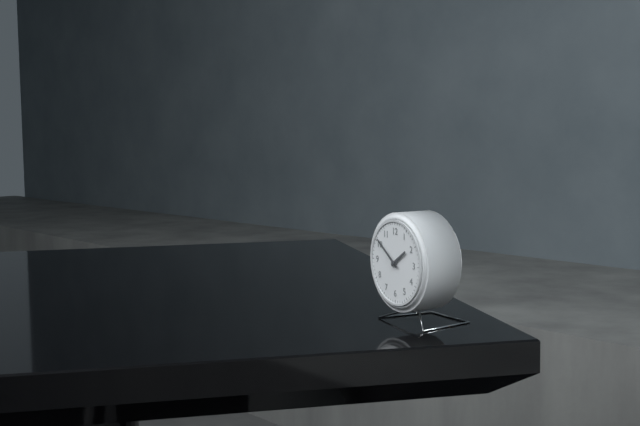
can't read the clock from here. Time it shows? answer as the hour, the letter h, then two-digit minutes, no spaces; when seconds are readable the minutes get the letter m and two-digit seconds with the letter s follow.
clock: 1h51
